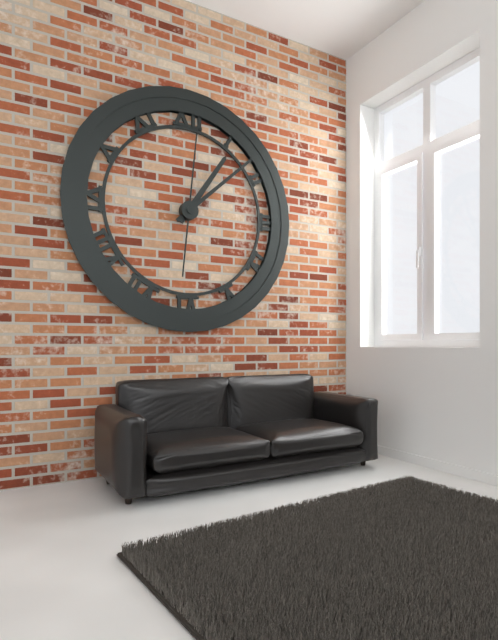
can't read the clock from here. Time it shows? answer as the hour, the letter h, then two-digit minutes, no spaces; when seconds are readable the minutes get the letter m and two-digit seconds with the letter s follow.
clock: 1h08m01s
